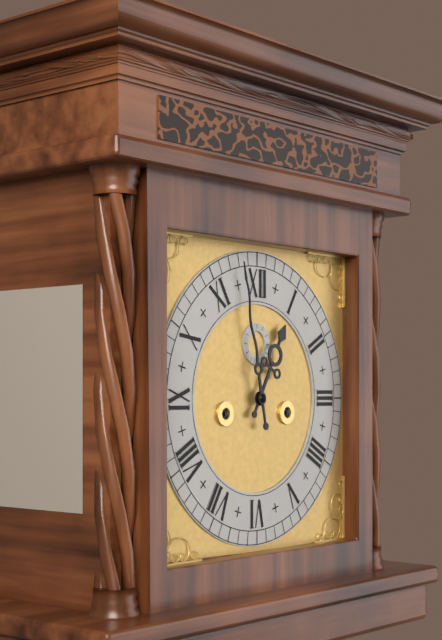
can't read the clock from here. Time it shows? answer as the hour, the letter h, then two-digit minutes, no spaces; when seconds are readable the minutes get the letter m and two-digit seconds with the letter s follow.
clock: 12h58
